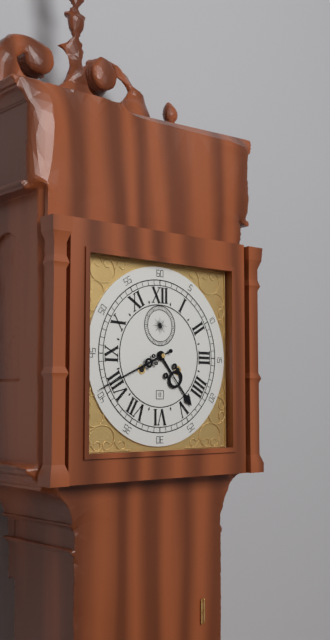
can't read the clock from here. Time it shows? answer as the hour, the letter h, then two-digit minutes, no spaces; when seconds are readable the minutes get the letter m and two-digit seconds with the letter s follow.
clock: 4h41
